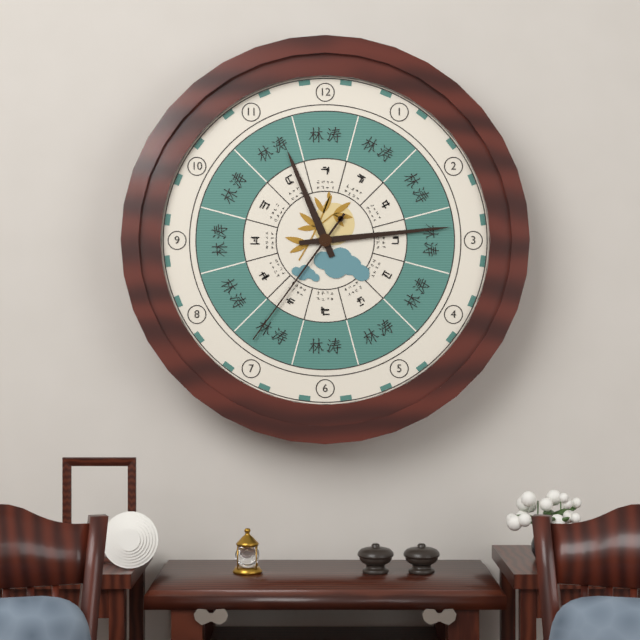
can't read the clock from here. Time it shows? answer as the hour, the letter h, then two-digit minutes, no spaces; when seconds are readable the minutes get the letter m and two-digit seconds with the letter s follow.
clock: 11h14m36s
